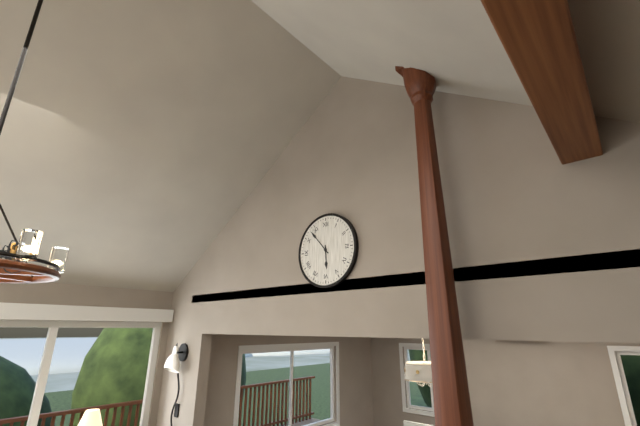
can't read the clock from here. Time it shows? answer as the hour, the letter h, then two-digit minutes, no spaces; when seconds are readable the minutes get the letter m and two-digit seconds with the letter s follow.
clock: 5h53
